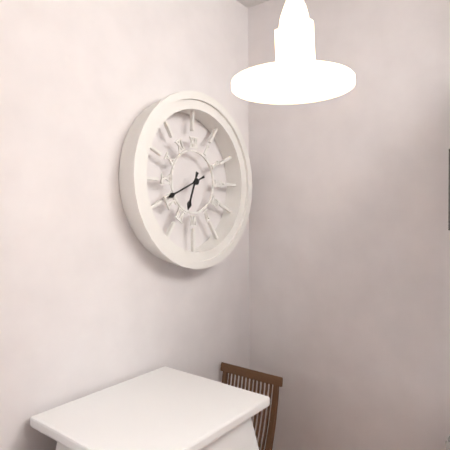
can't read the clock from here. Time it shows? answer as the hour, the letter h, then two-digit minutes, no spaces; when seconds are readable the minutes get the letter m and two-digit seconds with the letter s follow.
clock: 6h41
